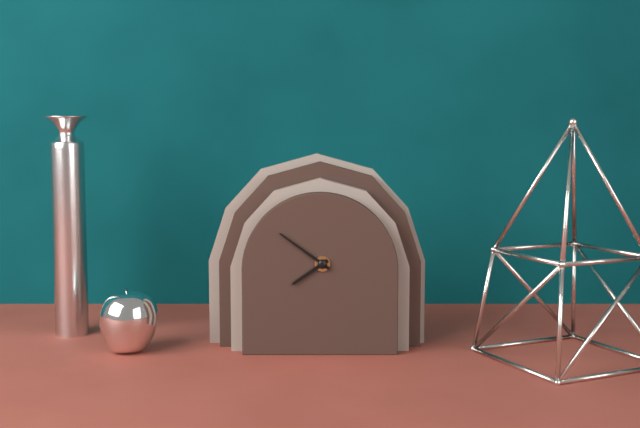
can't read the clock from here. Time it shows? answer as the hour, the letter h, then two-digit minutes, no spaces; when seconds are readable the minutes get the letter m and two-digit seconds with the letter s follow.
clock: 7h51
